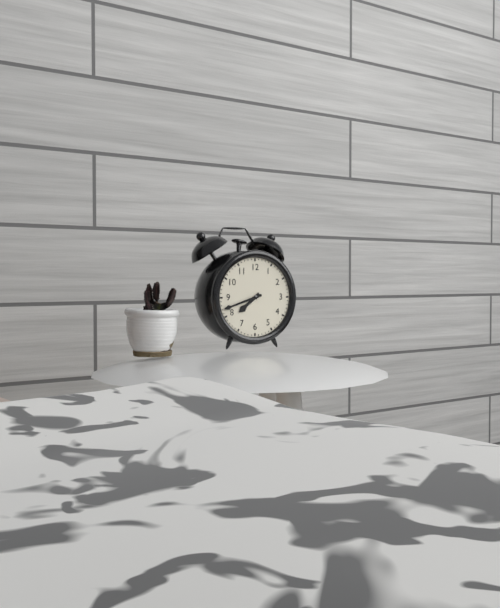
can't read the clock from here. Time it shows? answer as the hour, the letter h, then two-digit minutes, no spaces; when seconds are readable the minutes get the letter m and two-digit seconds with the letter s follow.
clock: 7h42
